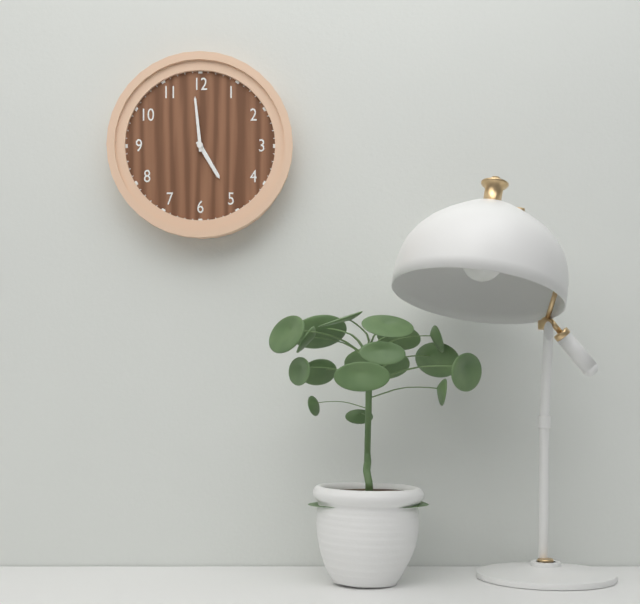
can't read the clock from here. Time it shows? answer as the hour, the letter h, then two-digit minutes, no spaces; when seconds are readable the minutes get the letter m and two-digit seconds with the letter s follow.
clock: 4h59
